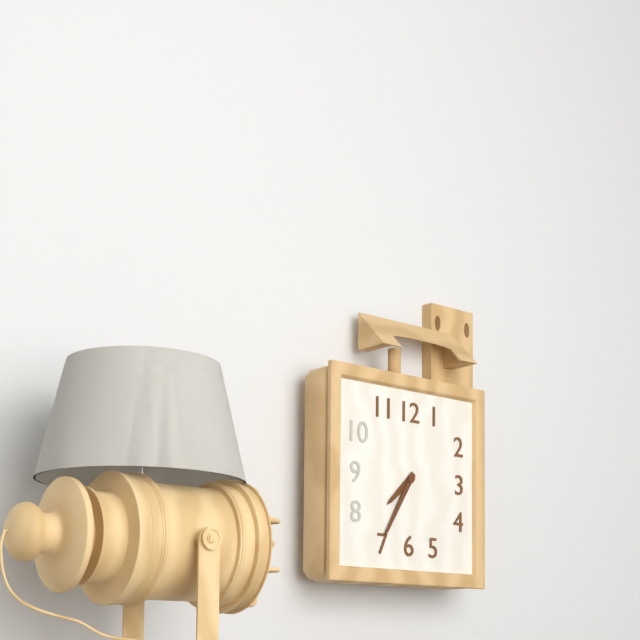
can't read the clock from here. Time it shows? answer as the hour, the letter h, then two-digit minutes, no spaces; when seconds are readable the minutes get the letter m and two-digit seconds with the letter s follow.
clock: 7h35
